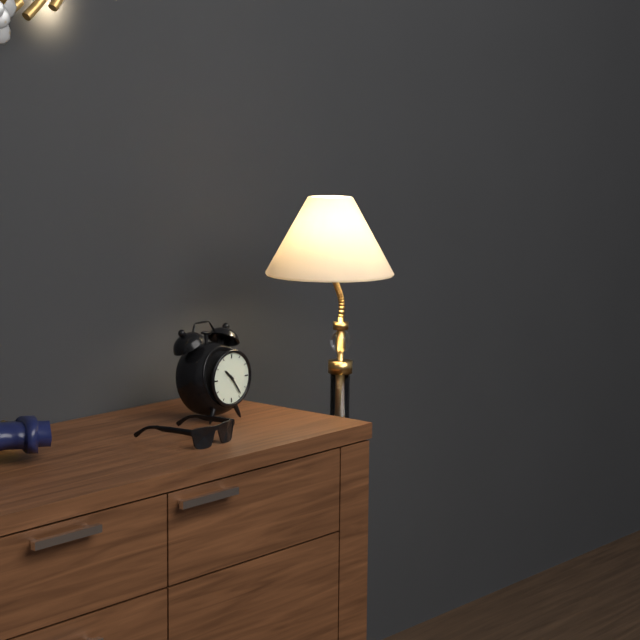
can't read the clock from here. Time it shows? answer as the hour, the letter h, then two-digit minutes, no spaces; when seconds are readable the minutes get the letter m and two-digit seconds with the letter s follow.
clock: 10h24
